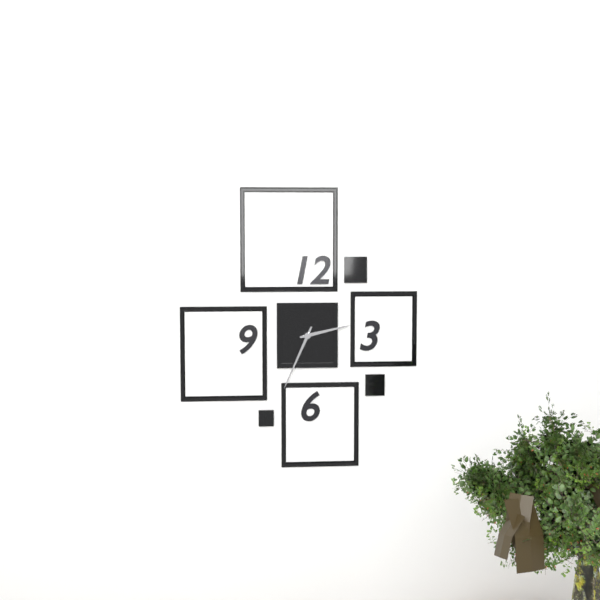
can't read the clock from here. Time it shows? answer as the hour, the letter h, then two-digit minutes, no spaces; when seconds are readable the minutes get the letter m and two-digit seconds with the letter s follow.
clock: 2h34
